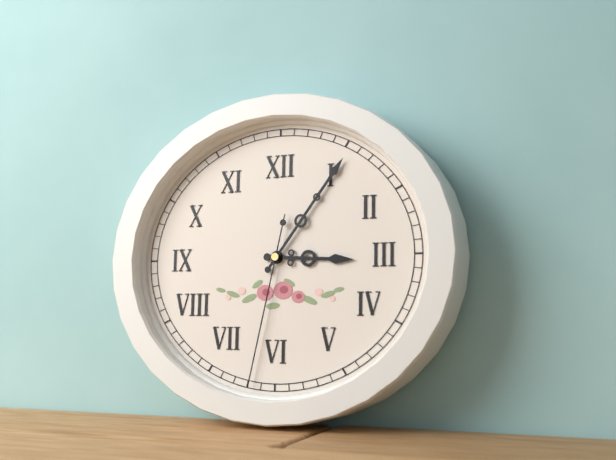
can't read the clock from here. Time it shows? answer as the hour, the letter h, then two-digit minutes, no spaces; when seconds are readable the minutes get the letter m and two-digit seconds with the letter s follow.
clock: 3h06m32s
